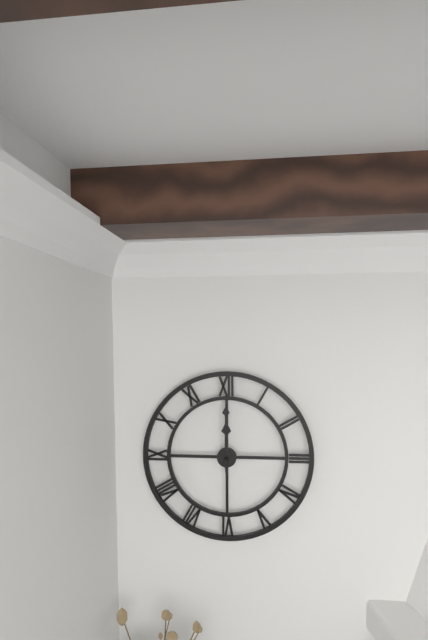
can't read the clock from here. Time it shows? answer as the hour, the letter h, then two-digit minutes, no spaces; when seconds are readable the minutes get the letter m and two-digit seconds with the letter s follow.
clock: 12h00
